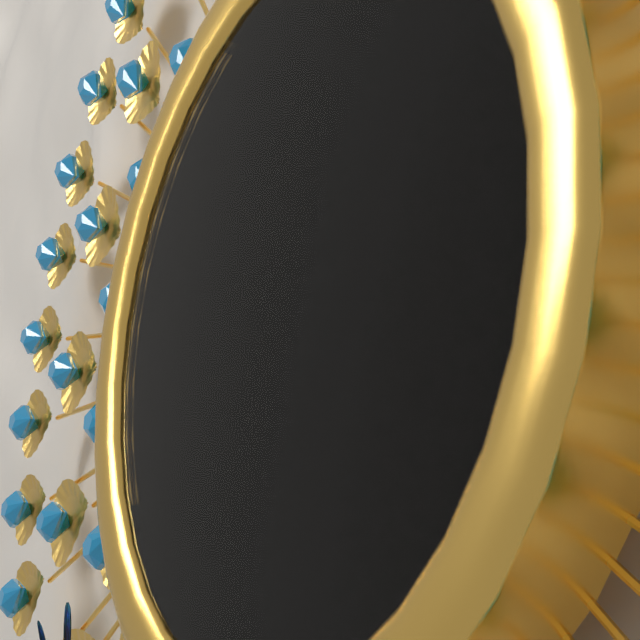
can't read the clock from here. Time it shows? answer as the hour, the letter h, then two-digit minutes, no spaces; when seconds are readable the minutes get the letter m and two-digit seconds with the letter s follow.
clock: 1h16m26s
